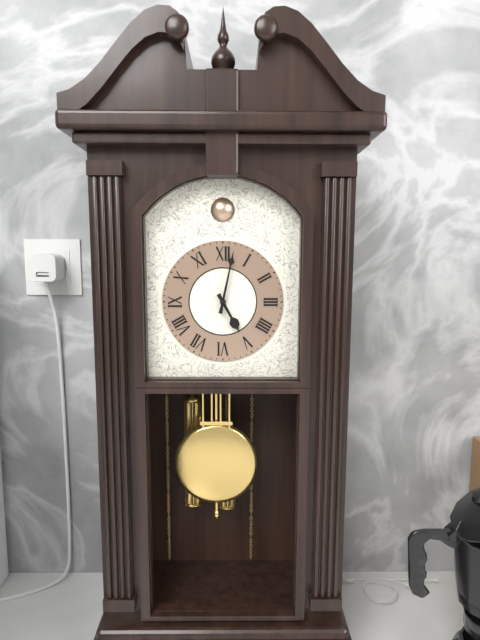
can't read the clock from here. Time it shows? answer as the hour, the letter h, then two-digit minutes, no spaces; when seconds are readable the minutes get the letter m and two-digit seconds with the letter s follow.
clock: 5h02
